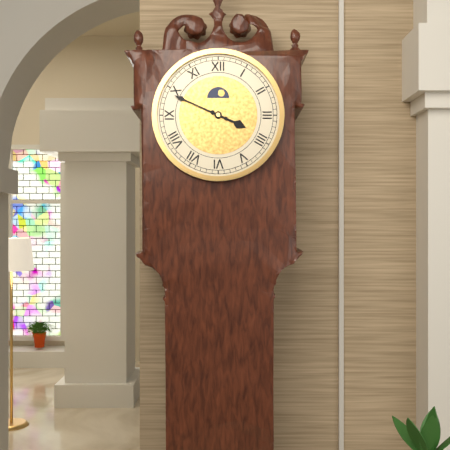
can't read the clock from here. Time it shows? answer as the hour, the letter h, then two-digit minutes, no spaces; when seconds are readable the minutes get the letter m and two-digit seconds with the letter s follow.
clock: 3h49
